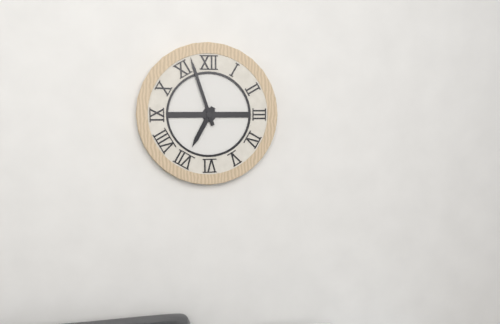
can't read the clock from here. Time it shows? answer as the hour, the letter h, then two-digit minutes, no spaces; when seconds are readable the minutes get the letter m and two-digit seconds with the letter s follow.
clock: 6h57
